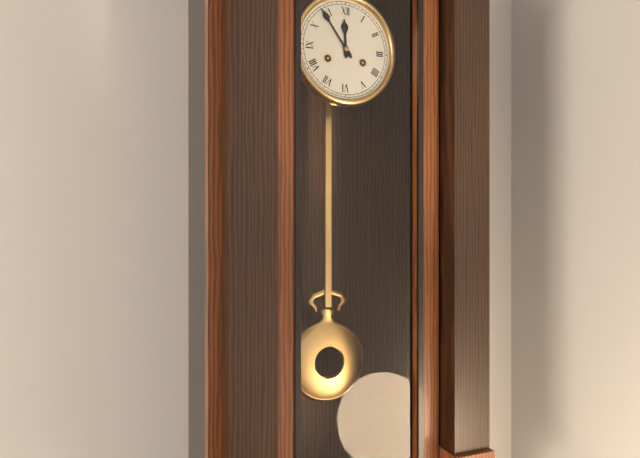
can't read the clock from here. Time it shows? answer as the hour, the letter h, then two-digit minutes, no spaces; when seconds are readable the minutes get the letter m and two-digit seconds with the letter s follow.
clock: 11h54
